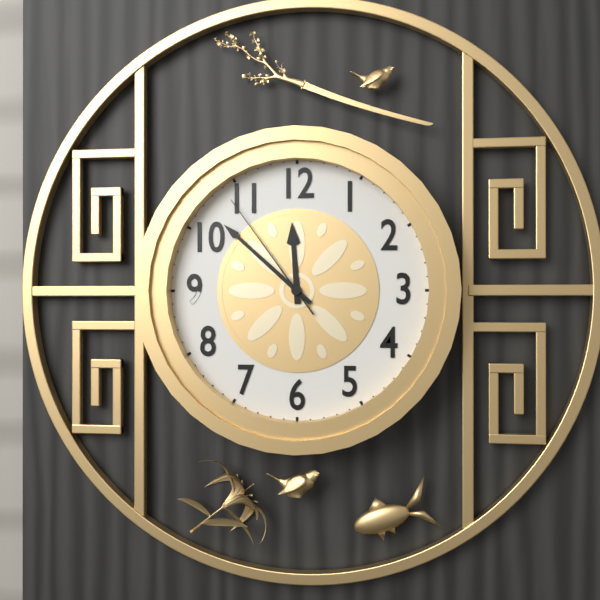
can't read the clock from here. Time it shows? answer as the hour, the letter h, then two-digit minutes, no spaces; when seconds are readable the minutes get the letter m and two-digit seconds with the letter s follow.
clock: 11h52m54s
